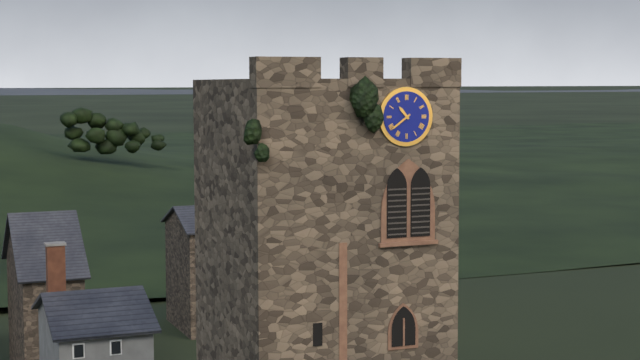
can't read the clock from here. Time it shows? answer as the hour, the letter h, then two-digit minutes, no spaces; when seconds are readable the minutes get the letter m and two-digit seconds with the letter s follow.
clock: 10h39
